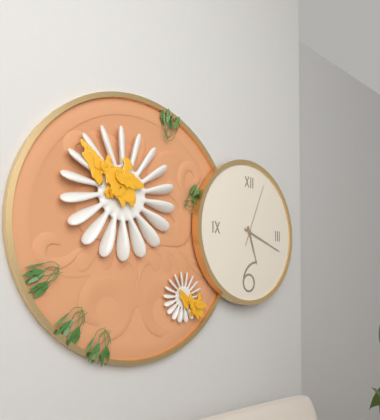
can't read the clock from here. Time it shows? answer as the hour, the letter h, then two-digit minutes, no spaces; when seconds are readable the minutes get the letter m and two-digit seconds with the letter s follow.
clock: 5h18m04s
